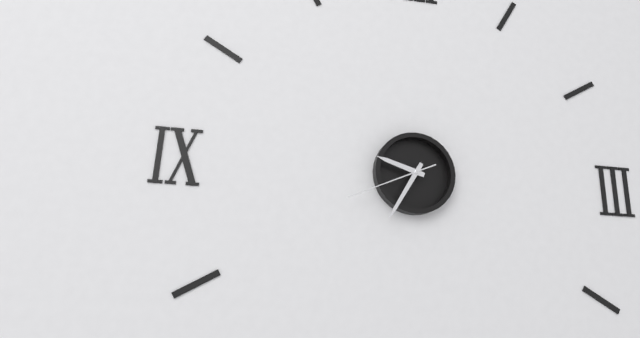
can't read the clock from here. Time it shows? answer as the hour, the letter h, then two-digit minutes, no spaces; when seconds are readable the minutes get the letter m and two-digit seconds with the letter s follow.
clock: 9h35m41s
